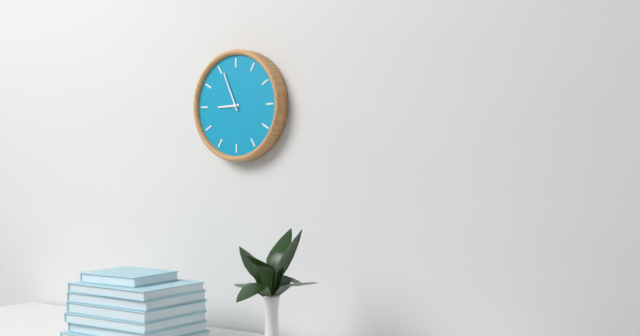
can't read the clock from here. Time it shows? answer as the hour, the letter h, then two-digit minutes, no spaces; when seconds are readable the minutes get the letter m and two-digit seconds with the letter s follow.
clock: 8h56
